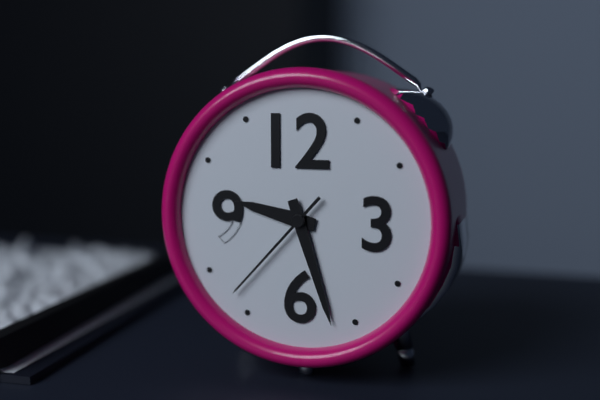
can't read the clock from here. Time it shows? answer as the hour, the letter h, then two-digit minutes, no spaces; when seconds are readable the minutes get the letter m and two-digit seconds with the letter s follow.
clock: 9h27m37s
